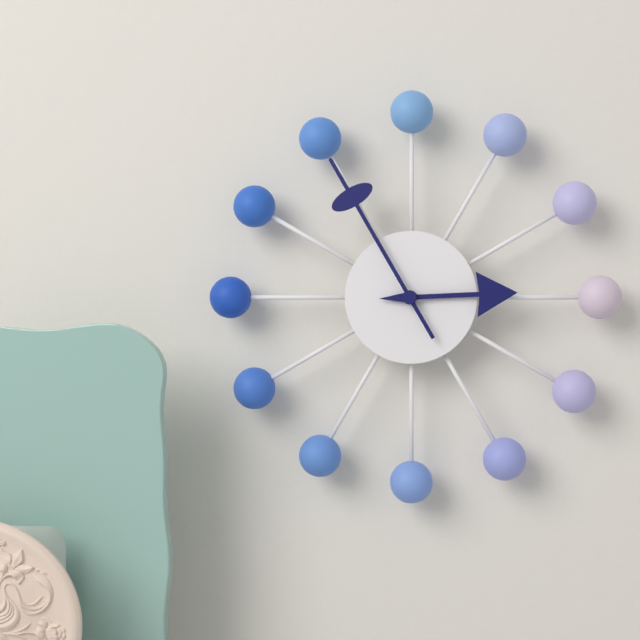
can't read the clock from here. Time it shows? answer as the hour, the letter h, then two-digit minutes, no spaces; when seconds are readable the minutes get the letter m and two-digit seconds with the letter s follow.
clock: 2h55
